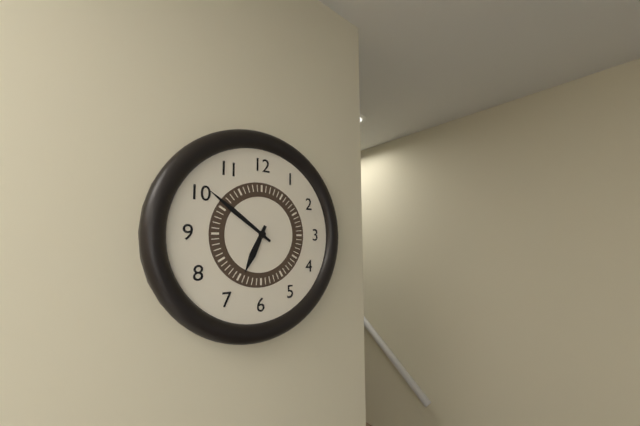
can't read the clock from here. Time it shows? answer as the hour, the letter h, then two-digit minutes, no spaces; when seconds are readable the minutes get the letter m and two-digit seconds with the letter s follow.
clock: 6h51
